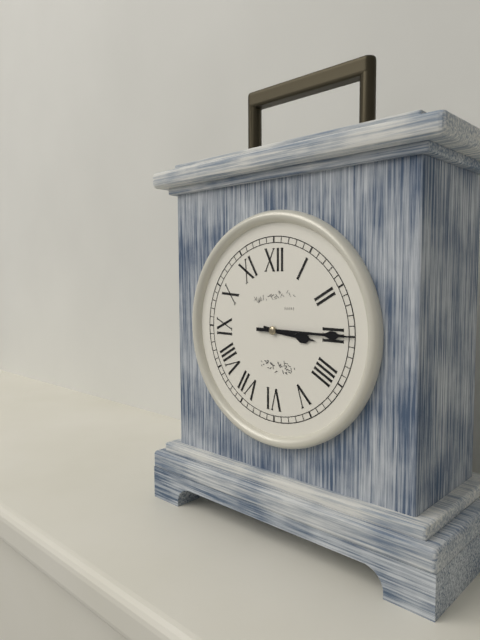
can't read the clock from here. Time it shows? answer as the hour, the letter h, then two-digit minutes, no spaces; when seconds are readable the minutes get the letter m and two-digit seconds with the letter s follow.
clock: 3h15
